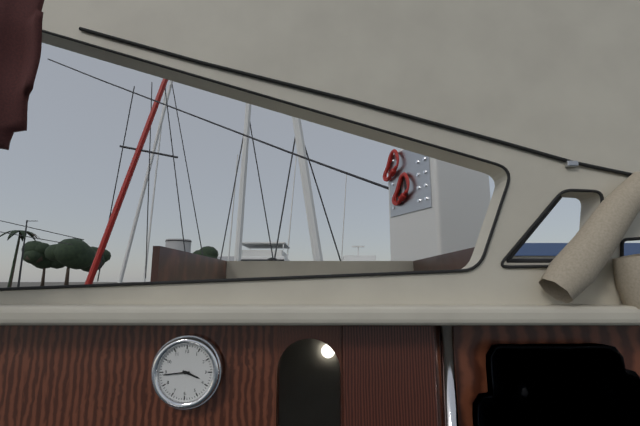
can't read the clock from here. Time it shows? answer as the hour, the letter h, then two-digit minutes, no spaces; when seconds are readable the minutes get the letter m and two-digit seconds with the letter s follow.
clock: 3h44
